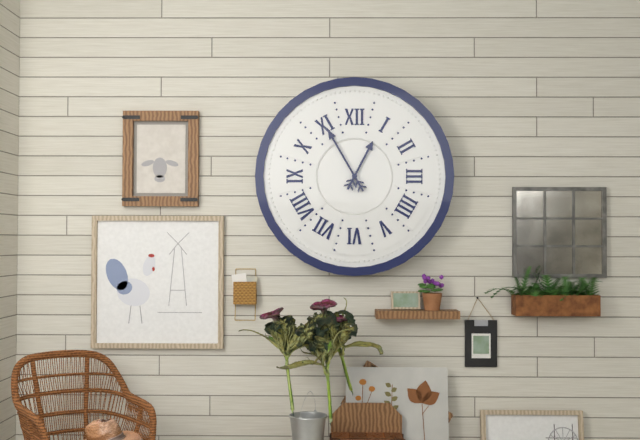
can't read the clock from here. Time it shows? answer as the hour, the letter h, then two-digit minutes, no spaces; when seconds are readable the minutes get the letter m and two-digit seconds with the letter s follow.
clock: 12h55
